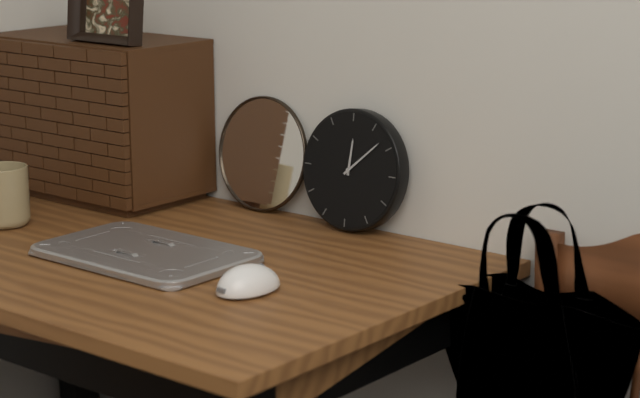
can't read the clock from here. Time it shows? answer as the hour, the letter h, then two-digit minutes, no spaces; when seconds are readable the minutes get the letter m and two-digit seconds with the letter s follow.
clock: 12h08
